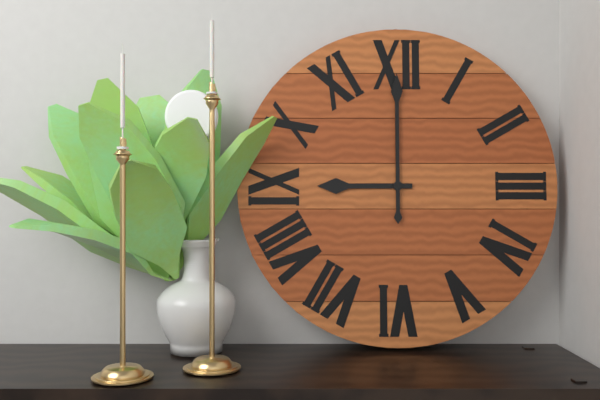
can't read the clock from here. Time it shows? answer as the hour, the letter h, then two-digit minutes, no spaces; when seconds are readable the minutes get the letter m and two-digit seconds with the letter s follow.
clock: 9h00
